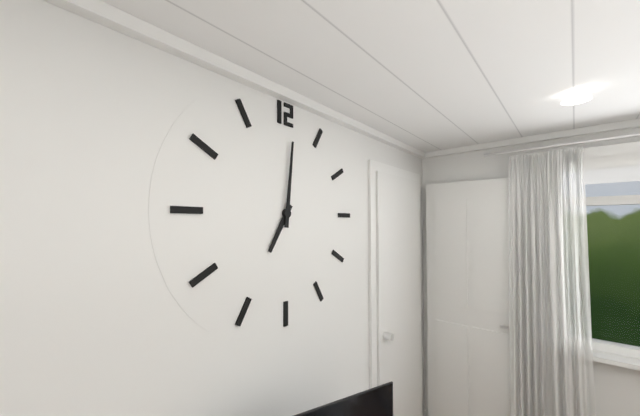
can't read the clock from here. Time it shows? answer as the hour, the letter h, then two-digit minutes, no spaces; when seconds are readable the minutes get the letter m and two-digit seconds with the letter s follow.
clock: 7h01
